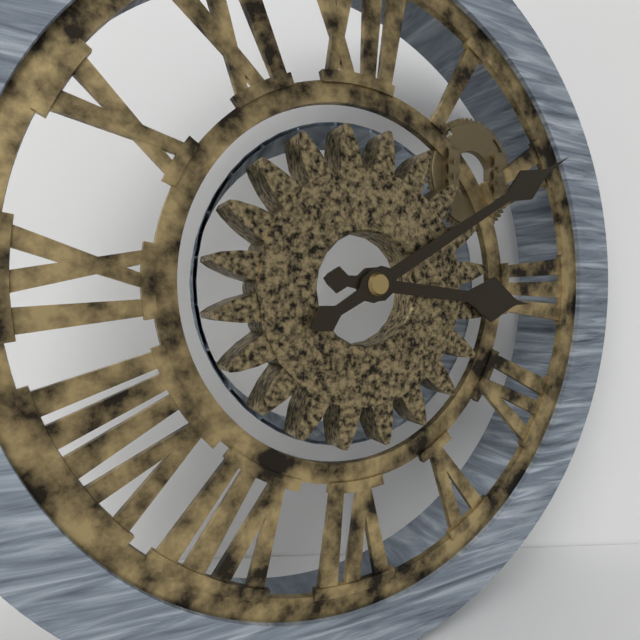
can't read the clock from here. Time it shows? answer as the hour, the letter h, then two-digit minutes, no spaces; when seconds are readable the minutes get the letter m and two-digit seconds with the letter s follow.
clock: 3h10
